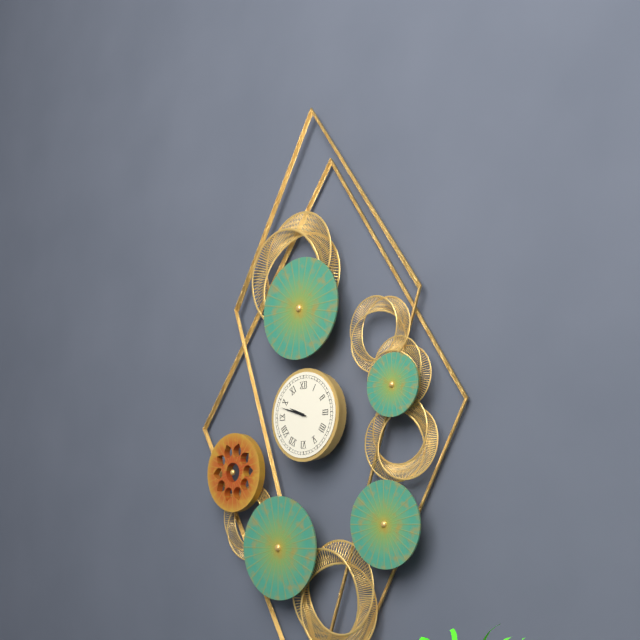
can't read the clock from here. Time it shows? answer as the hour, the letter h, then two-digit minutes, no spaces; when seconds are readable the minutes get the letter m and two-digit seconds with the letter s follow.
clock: 9h48
